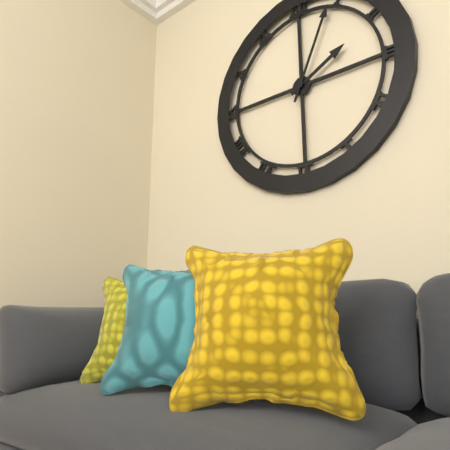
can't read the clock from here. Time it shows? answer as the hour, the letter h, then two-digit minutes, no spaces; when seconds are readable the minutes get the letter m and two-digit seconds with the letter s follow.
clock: 2h04
